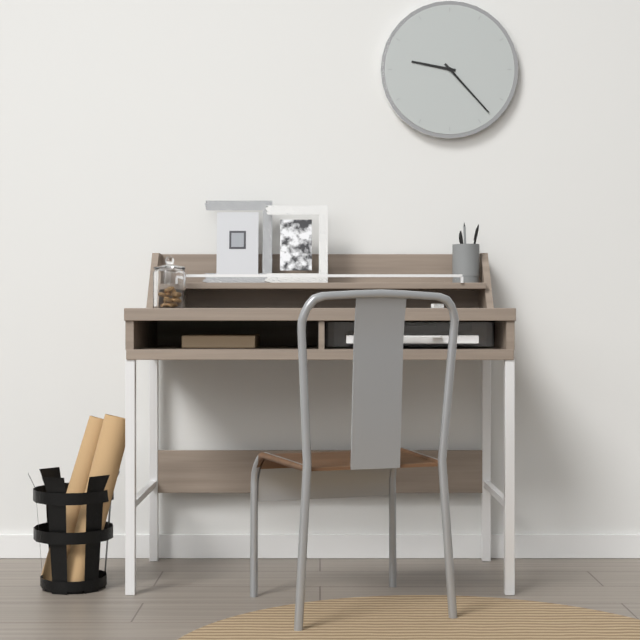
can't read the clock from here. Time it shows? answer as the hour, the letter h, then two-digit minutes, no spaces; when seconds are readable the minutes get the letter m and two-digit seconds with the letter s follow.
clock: 9h23
